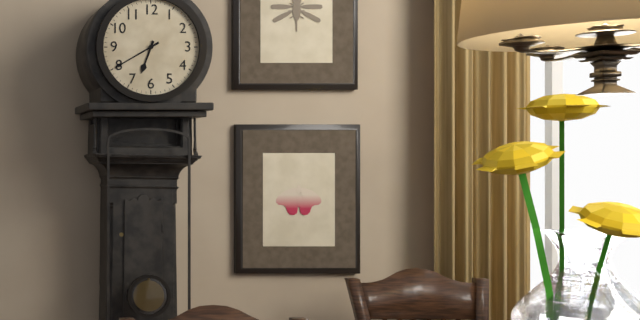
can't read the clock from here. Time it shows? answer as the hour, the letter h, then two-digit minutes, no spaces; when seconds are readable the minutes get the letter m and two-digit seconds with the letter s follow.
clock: 6h40
